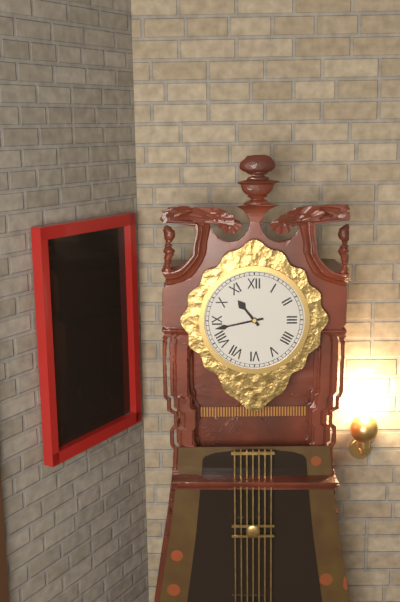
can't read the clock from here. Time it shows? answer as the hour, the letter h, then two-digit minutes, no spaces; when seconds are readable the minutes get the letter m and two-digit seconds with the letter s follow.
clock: 10h43
